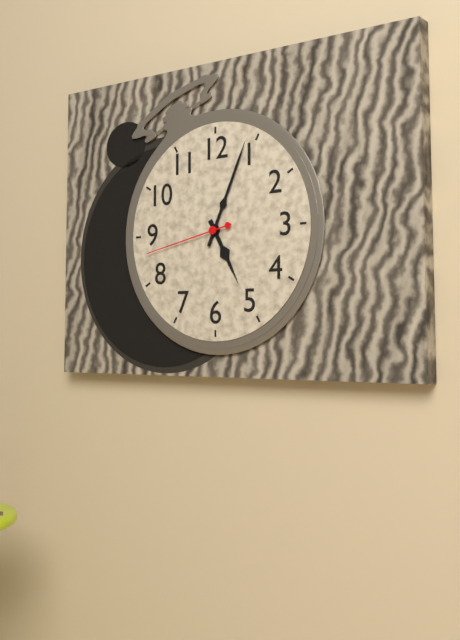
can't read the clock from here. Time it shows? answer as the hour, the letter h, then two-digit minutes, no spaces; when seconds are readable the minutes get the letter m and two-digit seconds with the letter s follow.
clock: 5h04m43s
